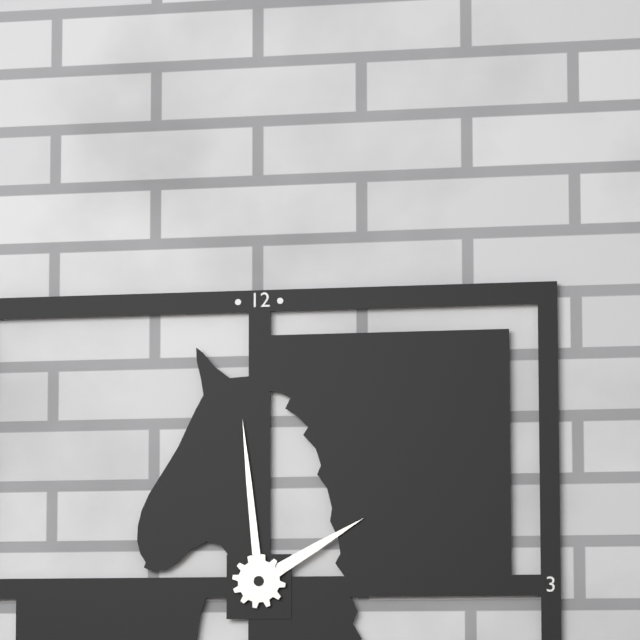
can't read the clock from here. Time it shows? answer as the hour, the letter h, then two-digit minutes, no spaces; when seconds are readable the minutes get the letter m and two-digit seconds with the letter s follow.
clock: 1h59
